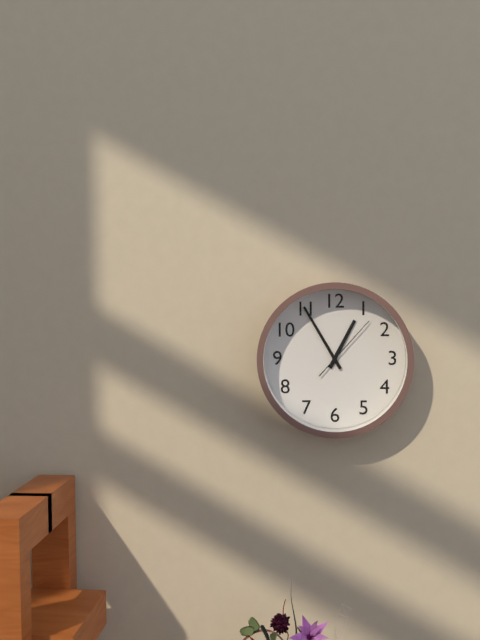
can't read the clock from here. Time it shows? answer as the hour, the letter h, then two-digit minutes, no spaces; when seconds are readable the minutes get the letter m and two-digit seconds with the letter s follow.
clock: 12h55m07s
